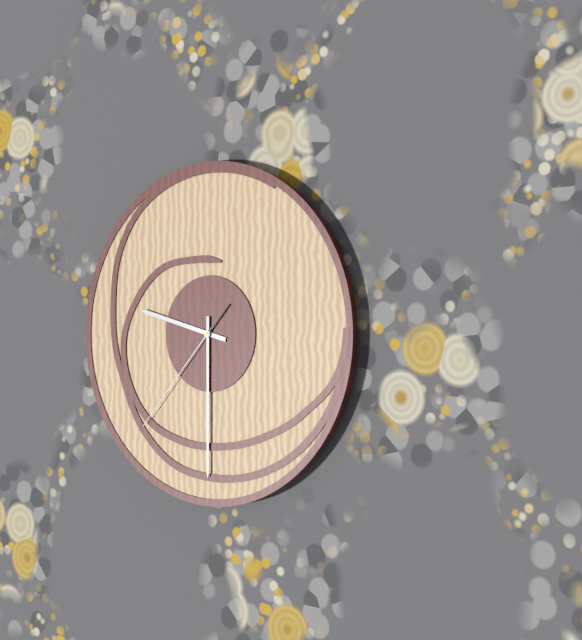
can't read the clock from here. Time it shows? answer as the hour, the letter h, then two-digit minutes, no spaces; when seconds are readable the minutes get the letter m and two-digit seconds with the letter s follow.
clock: 9h30m37s
